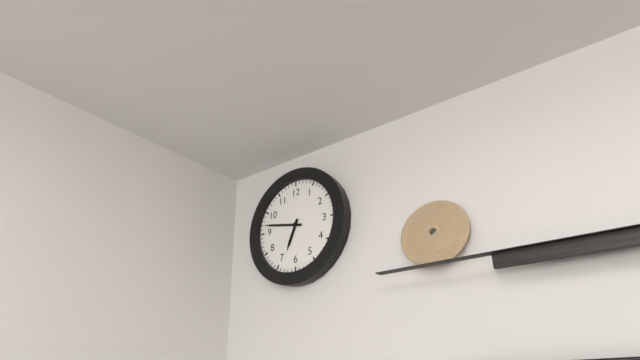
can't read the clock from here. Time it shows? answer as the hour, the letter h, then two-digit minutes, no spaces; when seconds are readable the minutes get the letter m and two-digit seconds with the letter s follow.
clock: 6h47
